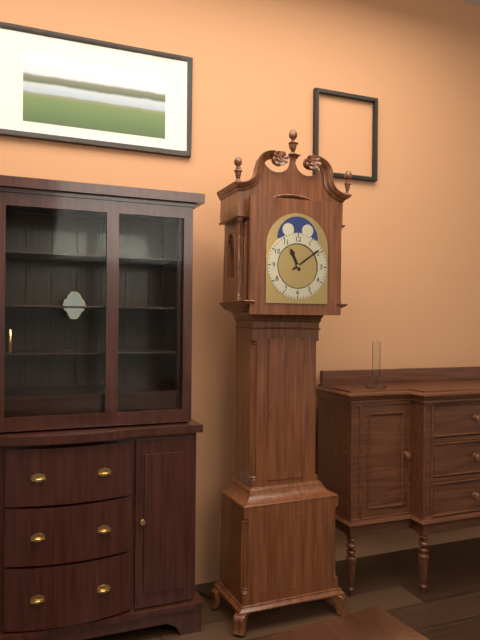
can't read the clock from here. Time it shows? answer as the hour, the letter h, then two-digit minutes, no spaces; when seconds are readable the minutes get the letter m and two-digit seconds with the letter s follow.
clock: 11h09
